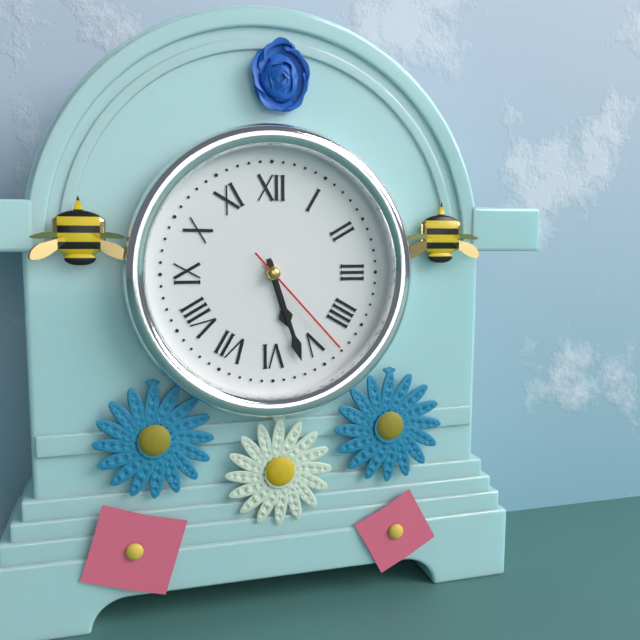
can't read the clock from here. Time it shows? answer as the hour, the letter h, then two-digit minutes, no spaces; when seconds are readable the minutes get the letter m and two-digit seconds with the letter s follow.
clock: 5h27m23s
